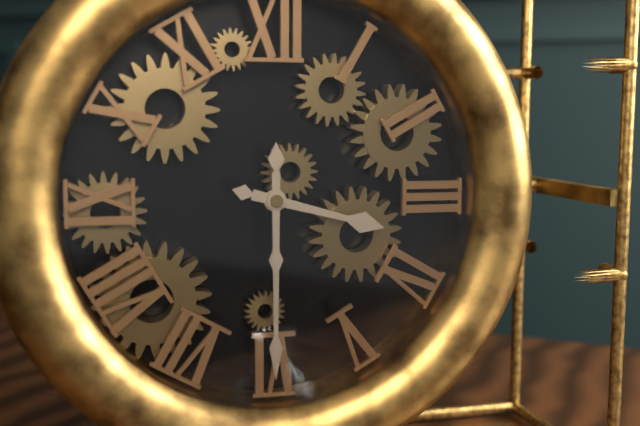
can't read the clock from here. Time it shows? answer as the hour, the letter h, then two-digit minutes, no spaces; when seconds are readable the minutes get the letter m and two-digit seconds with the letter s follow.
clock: 3h30
